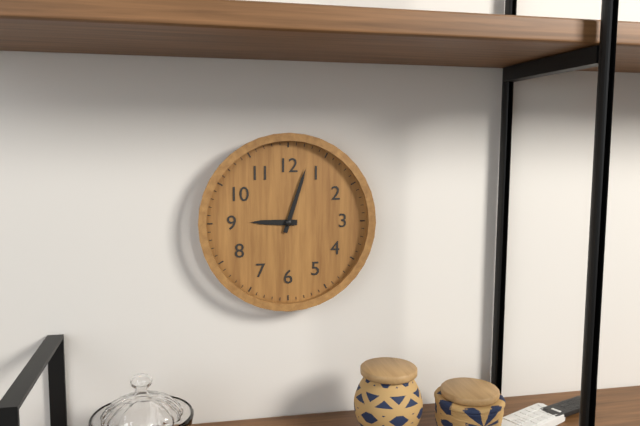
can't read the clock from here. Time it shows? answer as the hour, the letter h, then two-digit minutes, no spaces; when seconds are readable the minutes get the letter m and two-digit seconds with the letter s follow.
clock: 9h03
